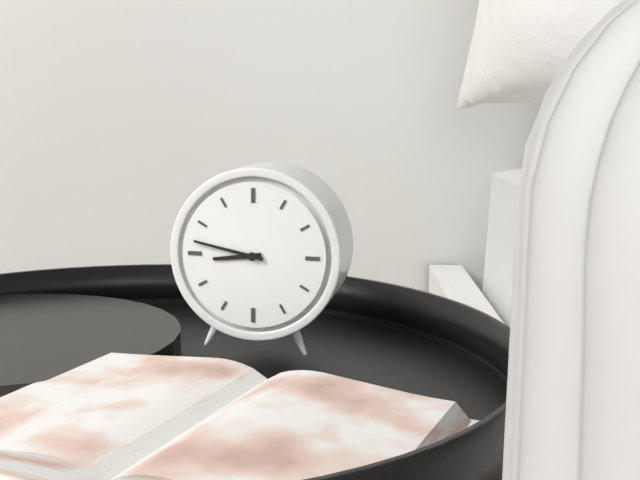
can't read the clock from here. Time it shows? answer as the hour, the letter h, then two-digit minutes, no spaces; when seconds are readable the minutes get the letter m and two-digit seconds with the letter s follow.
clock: 8h47
